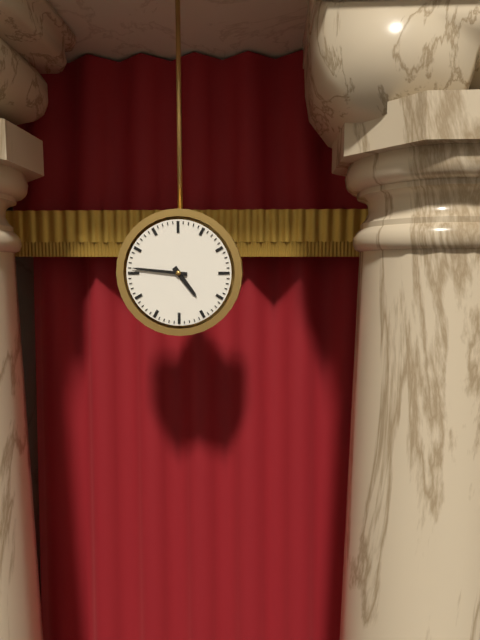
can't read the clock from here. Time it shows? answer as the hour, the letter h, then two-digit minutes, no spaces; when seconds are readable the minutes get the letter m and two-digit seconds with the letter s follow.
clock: 4h46
